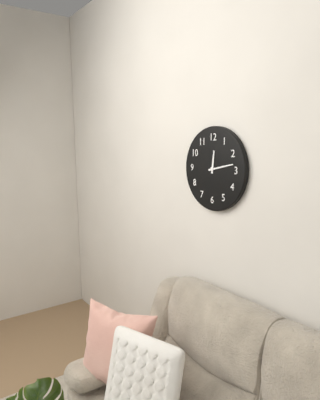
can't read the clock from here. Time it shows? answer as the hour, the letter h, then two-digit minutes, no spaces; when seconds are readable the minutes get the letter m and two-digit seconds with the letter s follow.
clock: 12h13
